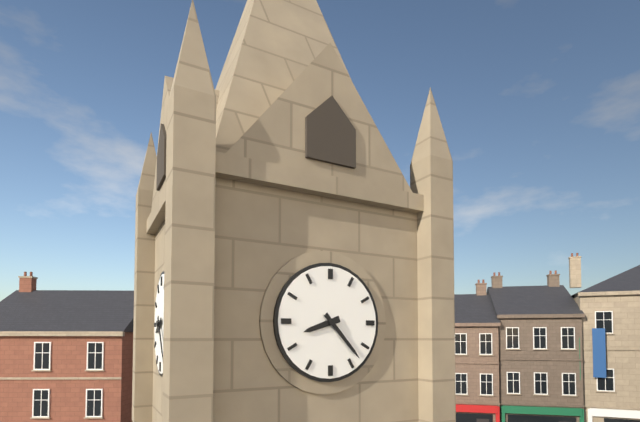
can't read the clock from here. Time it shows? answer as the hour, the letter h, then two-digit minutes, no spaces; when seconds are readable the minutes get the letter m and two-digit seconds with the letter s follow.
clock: 8h23
